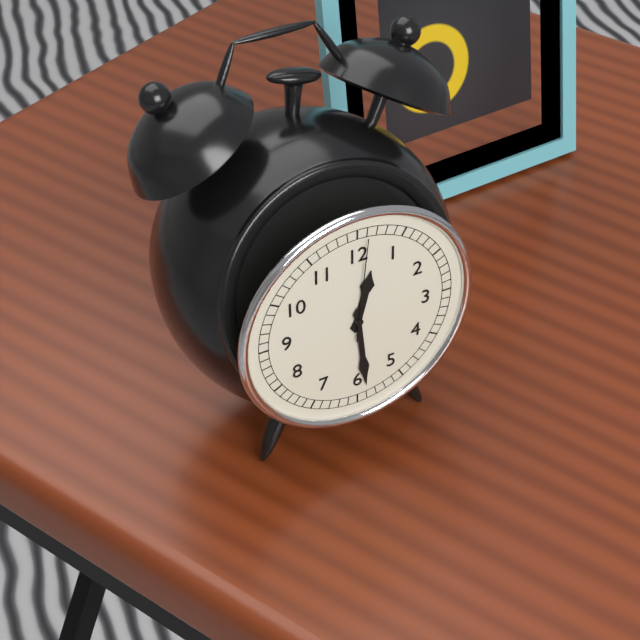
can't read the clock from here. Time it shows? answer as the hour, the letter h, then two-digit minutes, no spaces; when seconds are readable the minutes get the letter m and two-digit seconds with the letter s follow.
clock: 12h29m01s
